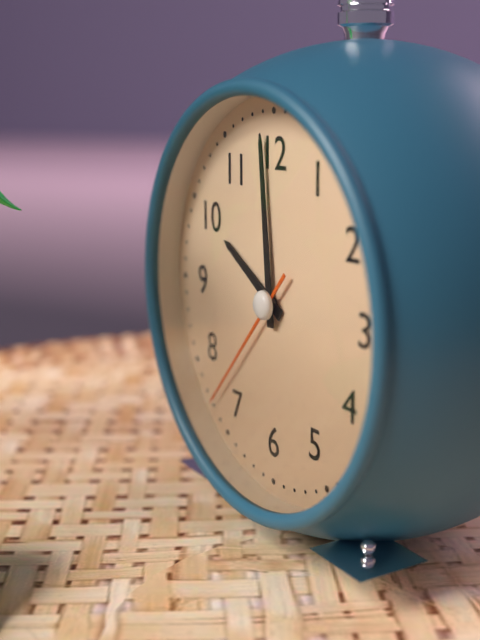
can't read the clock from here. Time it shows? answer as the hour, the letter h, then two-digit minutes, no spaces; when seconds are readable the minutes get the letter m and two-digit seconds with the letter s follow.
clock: 9h59m37s
